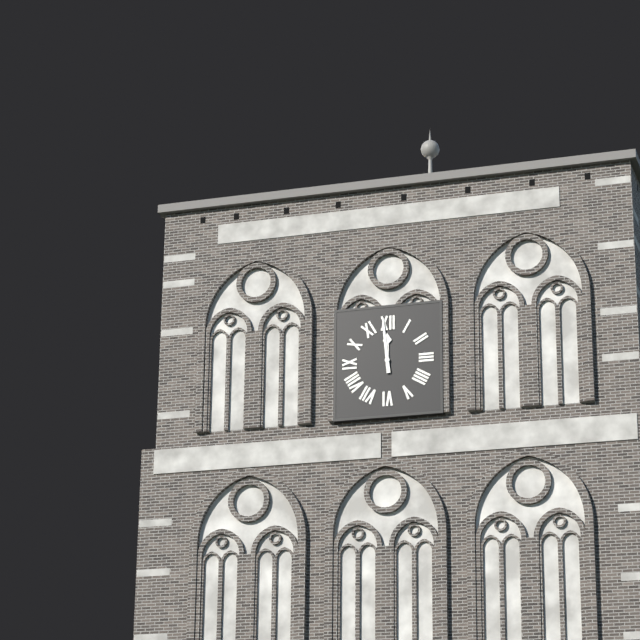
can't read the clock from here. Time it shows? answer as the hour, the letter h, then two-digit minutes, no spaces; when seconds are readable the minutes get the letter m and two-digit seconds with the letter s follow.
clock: 11h59
